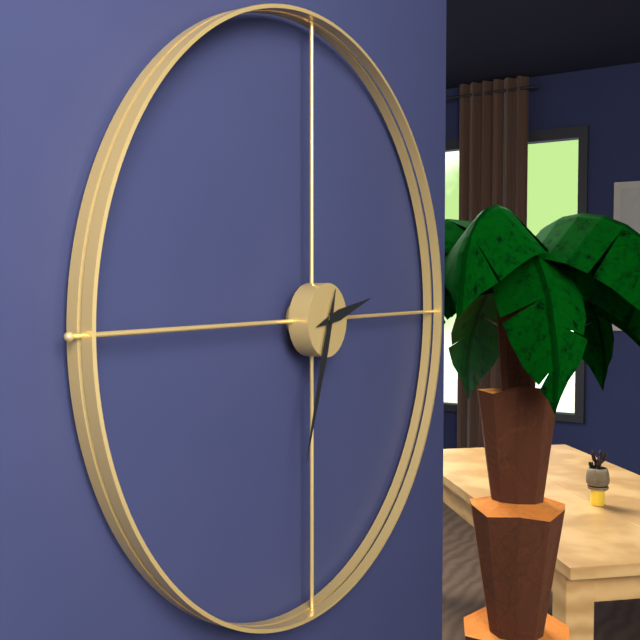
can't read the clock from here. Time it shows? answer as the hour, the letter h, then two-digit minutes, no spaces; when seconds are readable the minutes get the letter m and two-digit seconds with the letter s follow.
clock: 2h33
